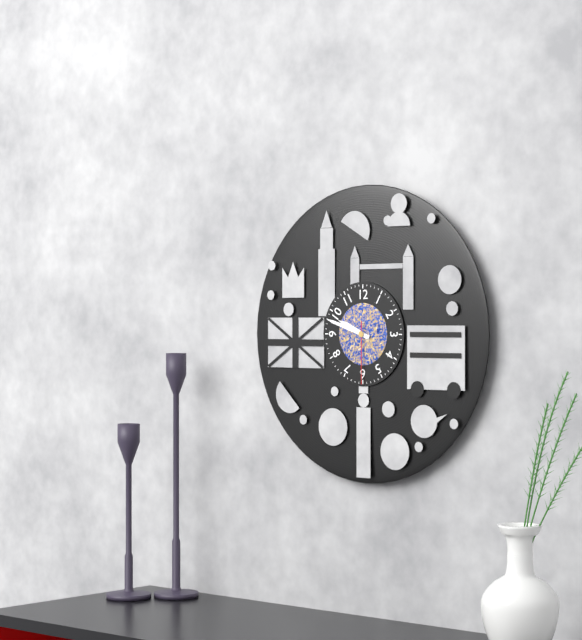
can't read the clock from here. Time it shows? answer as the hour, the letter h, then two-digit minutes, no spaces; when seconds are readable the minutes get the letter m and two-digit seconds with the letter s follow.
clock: 9h48m30s
